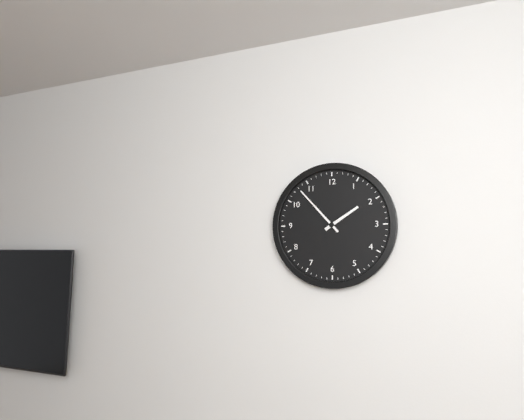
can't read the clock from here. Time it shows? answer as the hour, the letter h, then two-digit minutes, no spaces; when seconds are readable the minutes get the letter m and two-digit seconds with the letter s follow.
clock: 1h53
